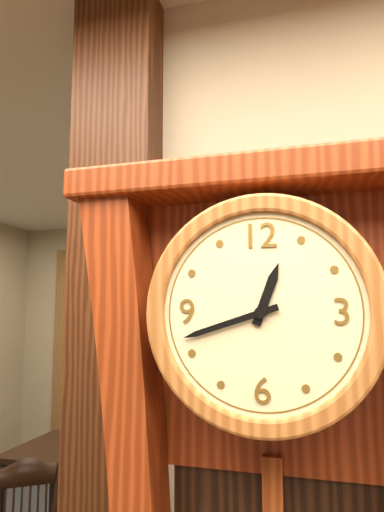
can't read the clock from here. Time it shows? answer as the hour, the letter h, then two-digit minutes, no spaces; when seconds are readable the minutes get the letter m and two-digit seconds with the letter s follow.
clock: 12h42
